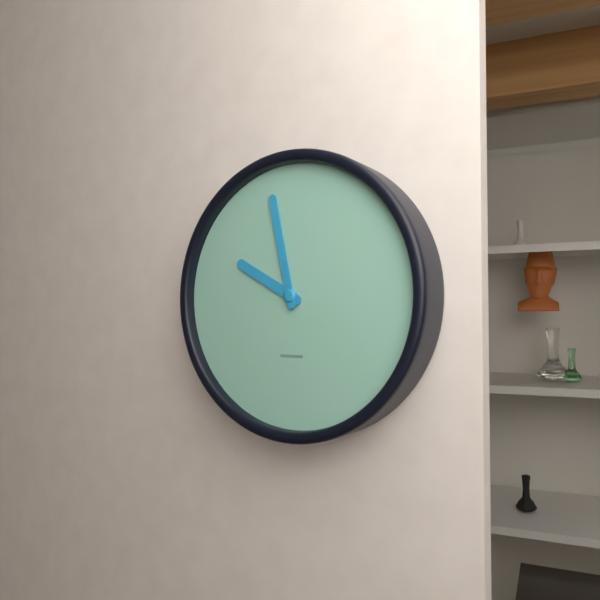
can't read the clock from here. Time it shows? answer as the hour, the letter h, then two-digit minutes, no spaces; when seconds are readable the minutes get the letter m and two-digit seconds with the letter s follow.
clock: 9h58
